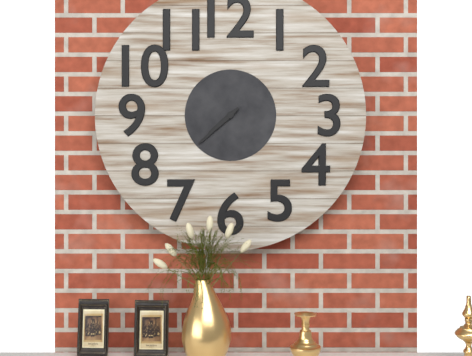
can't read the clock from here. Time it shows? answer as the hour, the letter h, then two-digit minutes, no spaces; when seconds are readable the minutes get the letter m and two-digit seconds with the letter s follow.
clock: 7h38
